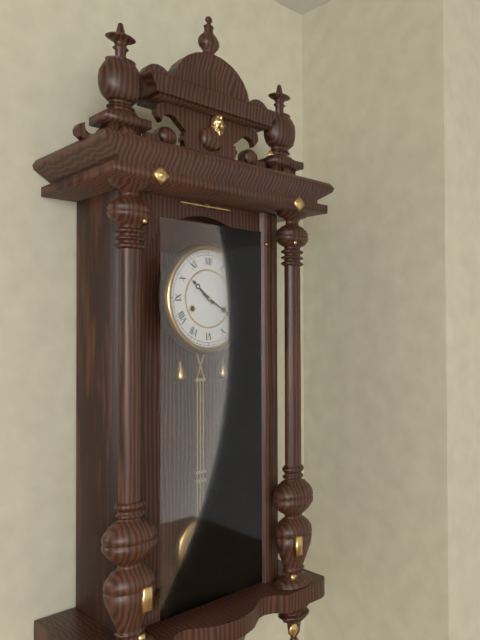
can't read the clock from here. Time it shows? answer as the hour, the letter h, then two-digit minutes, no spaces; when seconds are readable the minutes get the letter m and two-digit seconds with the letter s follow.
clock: 10h20
